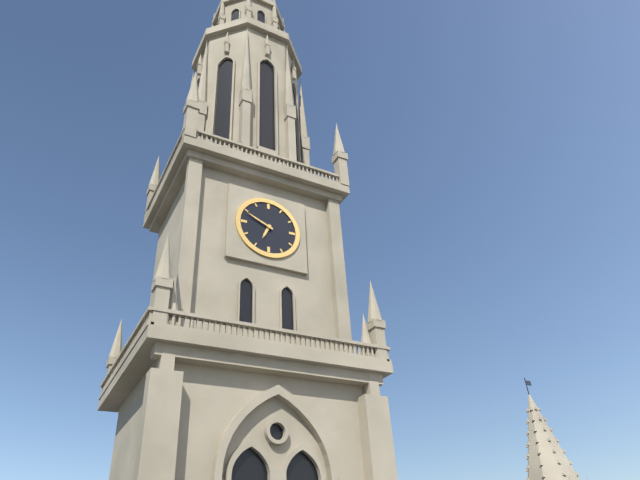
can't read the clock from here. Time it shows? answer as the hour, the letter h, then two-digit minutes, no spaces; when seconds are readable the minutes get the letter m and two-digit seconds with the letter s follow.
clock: 6h49
